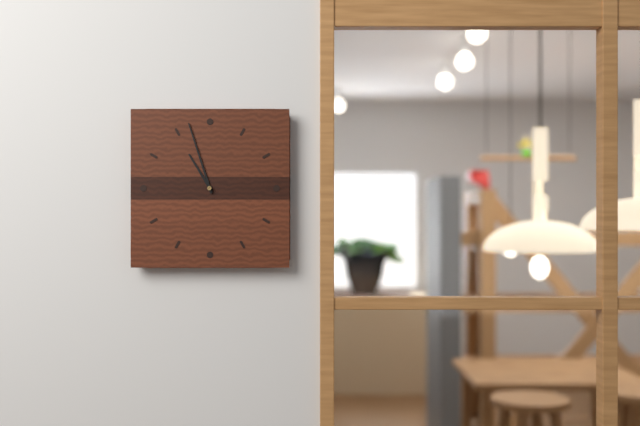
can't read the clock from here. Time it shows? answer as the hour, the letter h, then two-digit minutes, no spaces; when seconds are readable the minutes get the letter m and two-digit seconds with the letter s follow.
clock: 10h57
